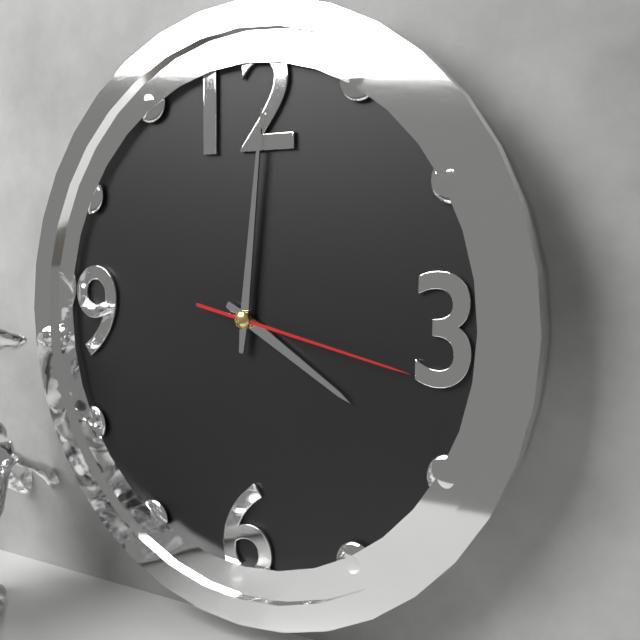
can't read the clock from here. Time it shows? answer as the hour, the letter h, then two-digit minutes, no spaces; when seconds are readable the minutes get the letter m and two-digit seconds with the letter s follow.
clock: 4h01m17s
